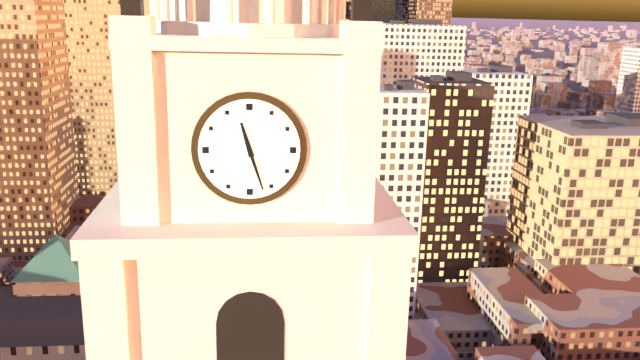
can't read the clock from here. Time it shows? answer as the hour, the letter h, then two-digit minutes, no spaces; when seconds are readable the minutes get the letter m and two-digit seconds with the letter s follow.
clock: 11h27
